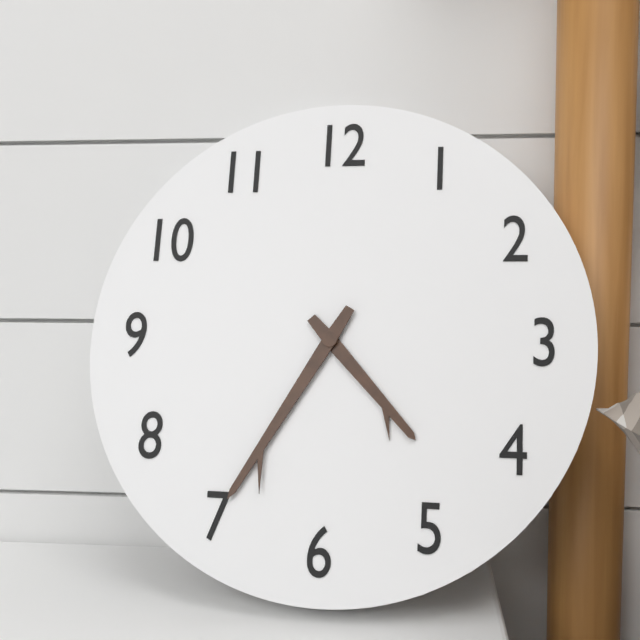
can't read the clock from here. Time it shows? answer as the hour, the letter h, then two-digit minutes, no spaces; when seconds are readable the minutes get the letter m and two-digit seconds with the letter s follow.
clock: 4h35
